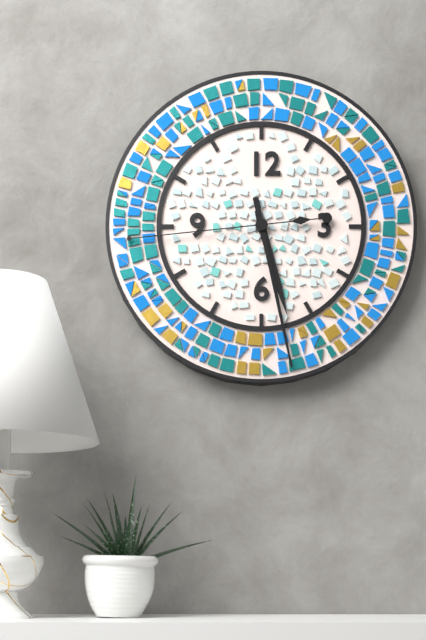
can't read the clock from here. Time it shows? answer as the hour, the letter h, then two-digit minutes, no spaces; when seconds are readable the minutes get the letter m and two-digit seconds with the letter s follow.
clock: 5h28m44s
